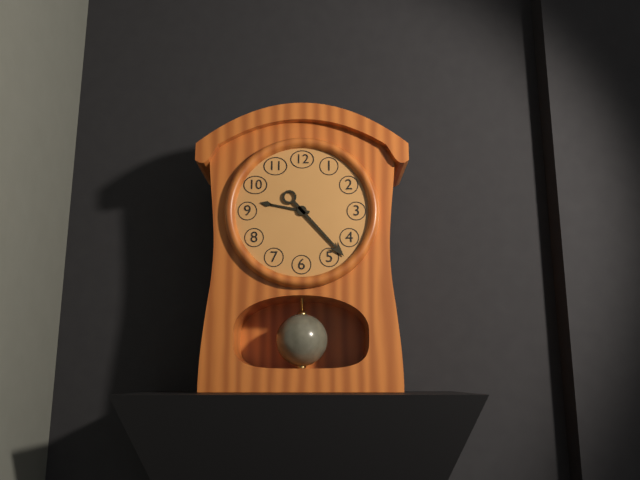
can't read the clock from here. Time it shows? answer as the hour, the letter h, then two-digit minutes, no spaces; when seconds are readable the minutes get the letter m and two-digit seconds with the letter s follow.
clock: 9h23
